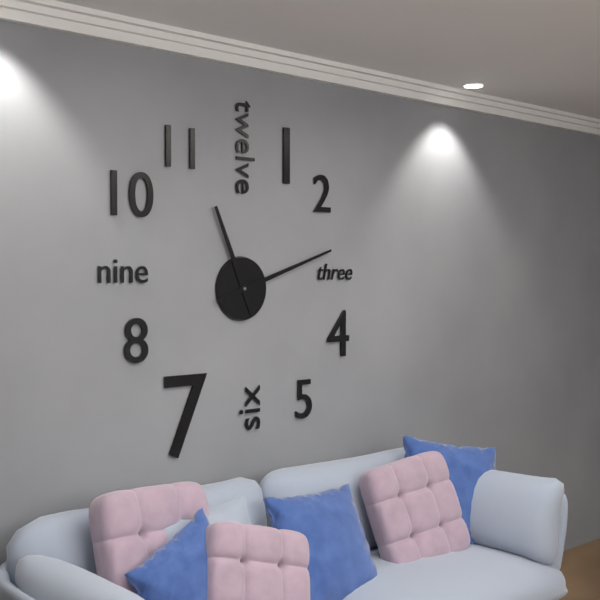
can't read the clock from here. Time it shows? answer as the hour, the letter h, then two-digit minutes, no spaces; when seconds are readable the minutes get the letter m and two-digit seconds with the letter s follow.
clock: 11h12
